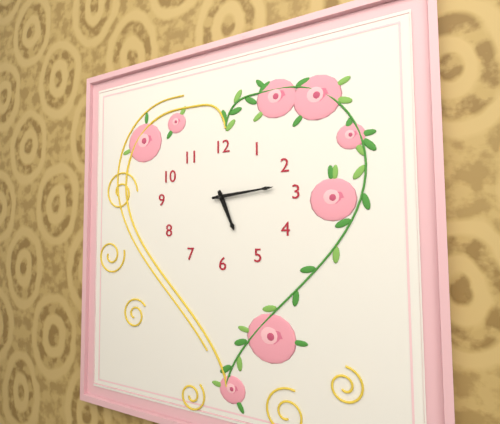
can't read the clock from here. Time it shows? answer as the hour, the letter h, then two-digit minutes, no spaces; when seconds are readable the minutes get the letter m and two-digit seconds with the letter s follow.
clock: 5h14
